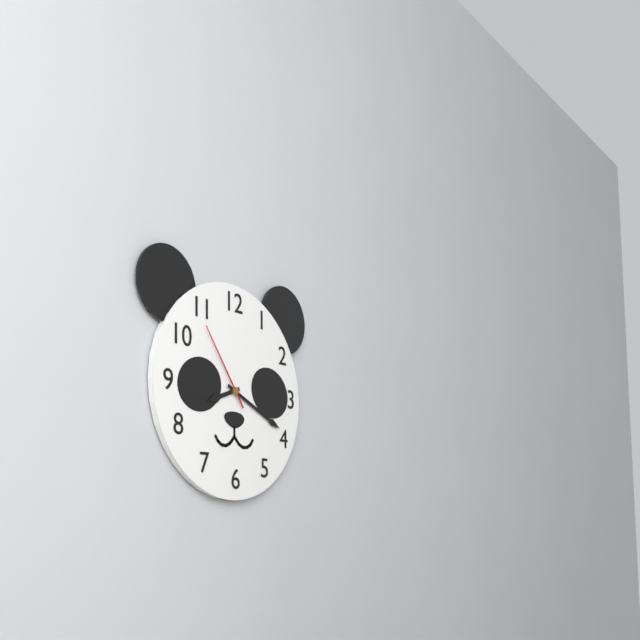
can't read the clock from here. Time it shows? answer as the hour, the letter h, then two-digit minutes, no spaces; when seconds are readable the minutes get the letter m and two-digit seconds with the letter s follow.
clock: 8h19m54s
